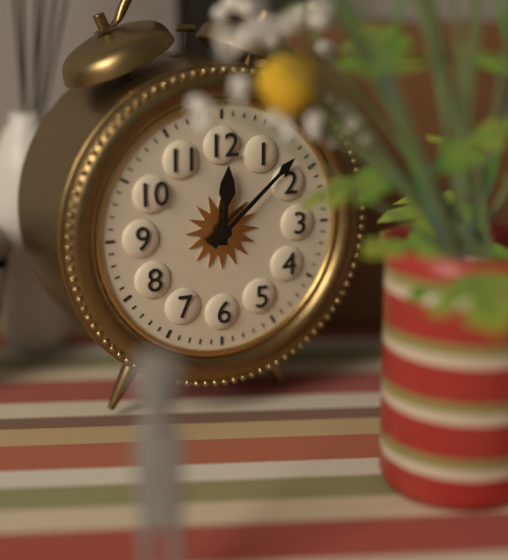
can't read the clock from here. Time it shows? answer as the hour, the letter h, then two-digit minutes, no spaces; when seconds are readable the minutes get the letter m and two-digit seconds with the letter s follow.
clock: 12h08
